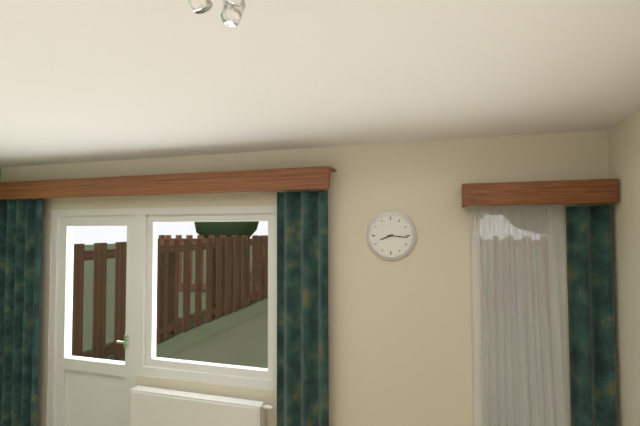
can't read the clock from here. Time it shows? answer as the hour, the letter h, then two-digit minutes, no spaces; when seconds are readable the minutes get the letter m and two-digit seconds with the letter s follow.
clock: 8h16
